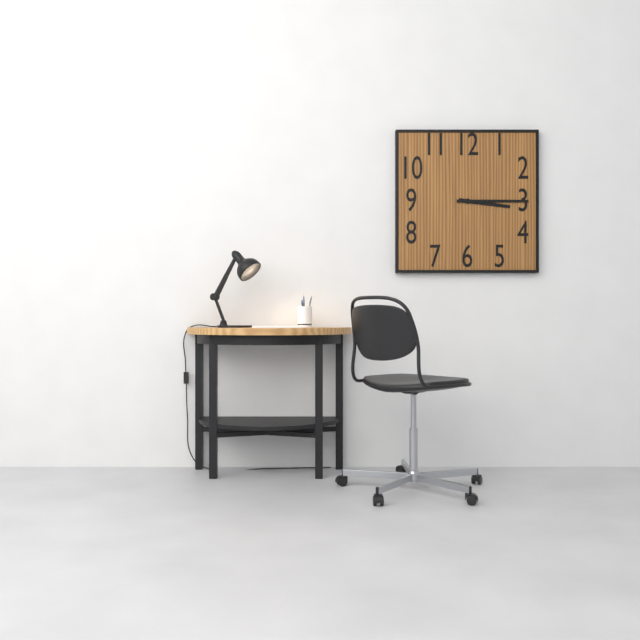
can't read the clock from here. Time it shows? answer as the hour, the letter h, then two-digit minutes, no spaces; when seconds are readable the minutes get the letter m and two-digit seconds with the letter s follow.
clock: 3h15
